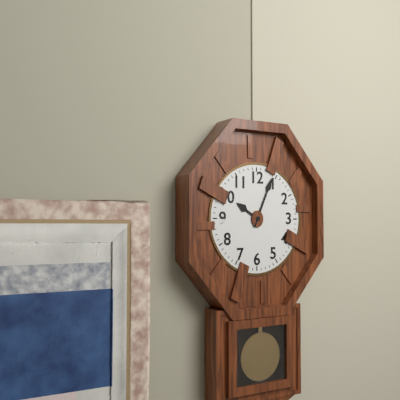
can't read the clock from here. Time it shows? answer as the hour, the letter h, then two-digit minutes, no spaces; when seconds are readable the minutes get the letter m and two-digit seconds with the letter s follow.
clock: 10h04
